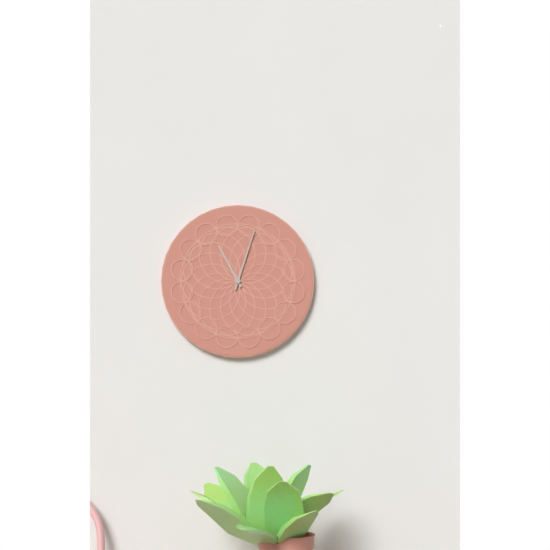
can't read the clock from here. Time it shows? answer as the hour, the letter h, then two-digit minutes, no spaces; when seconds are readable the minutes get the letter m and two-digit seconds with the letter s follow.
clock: 11h03
